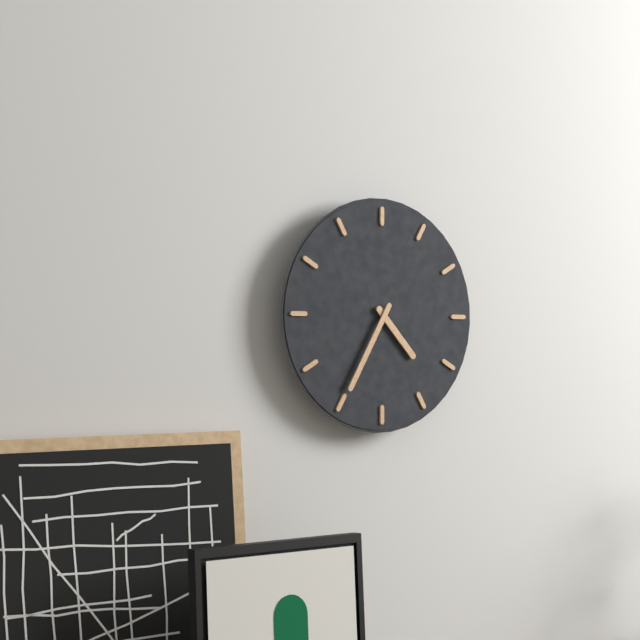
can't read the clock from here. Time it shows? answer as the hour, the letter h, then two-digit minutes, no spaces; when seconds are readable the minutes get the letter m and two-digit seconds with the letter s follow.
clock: 4h35
